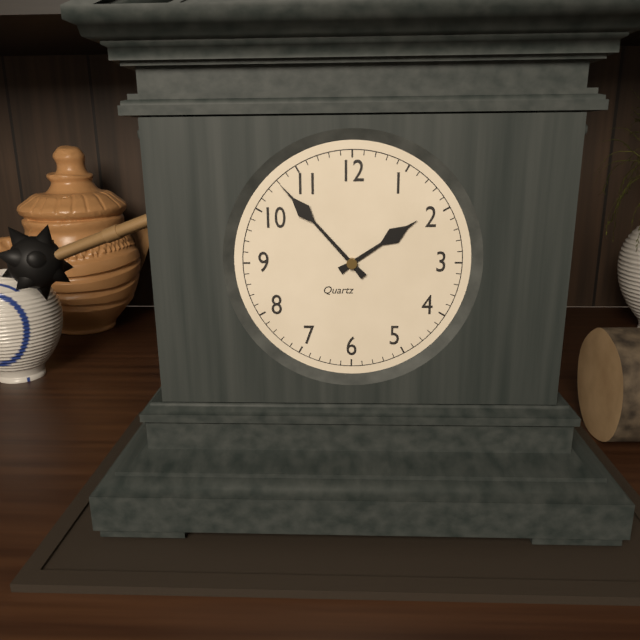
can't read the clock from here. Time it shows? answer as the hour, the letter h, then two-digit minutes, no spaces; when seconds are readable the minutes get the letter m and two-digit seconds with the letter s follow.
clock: 1h53
